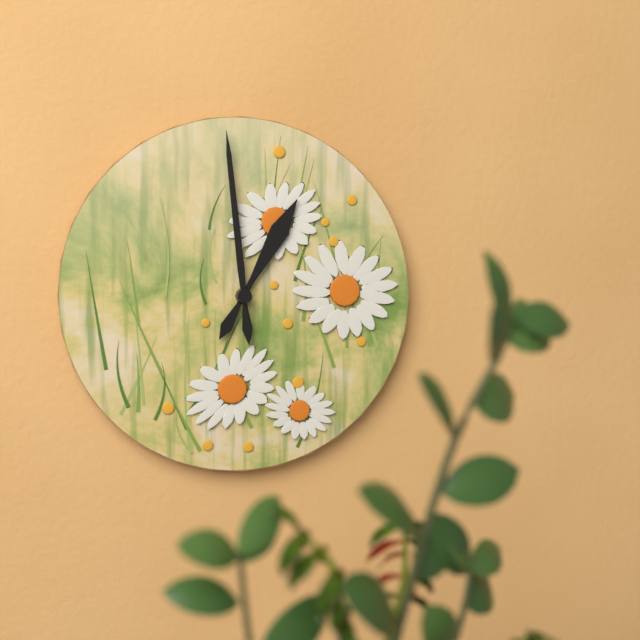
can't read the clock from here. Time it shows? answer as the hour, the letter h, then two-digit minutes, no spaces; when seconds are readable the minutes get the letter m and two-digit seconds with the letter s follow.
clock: 12h59
